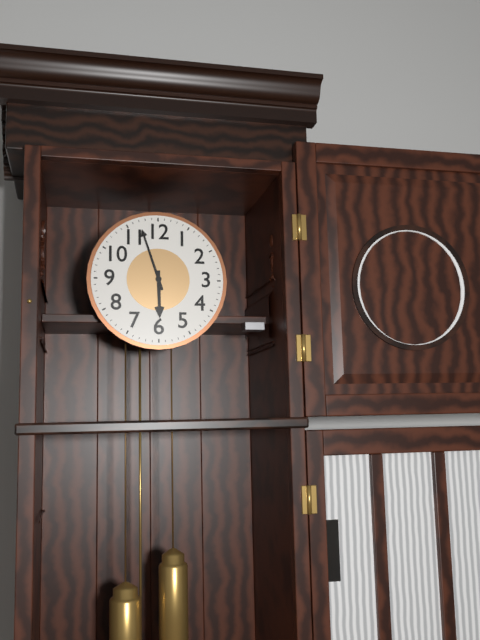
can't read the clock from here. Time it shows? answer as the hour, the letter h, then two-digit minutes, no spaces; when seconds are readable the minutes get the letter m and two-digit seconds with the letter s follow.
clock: 5h57
